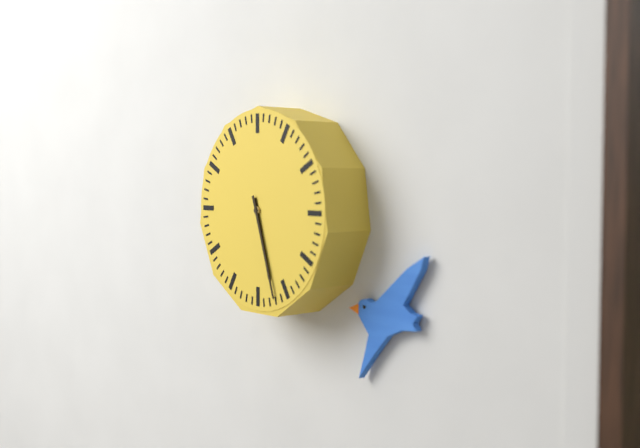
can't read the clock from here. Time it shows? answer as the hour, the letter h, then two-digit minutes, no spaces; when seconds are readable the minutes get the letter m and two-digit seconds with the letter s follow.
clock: 5h27
